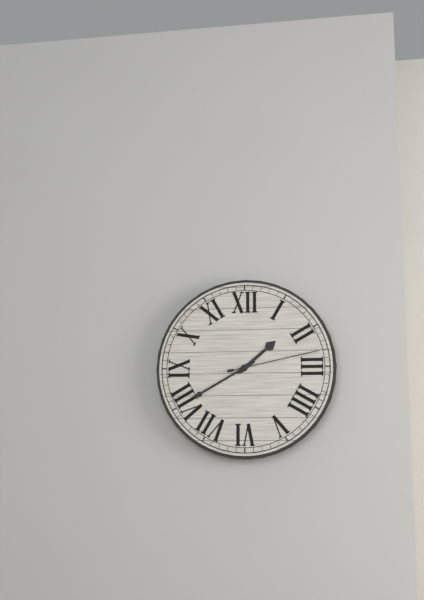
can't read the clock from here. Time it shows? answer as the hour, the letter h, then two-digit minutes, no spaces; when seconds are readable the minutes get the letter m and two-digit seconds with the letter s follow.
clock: 1h40m13s
